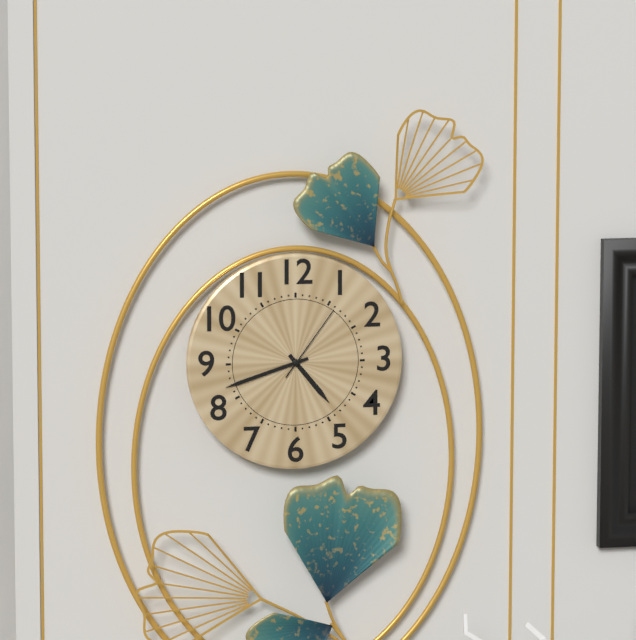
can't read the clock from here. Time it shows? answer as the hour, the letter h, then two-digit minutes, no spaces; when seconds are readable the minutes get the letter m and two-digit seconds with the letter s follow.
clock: 4h42m06s
